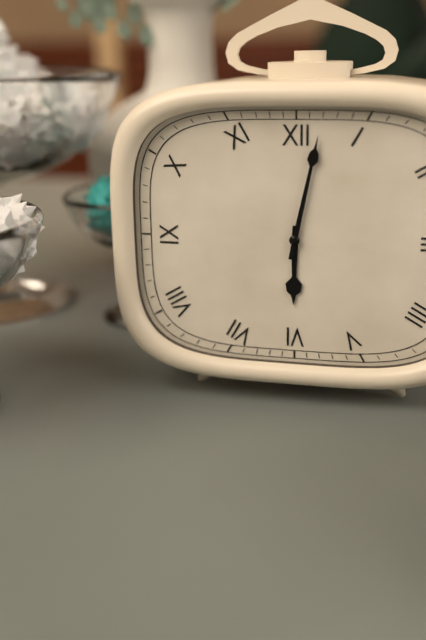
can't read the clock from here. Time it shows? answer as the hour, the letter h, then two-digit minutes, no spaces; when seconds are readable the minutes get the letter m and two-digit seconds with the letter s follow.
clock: 6h02
